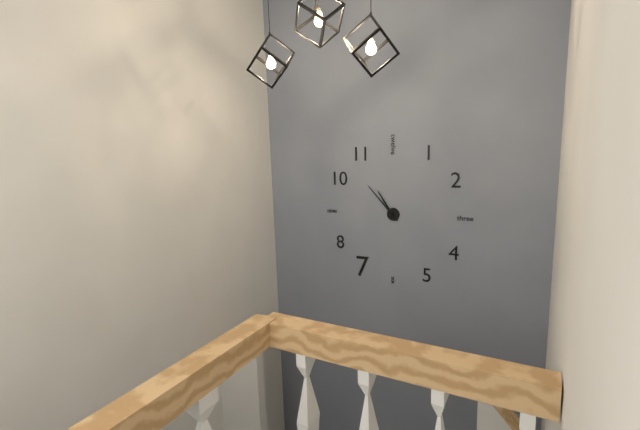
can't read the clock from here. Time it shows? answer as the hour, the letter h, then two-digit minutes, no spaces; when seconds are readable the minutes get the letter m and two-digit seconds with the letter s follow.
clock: 10h53
